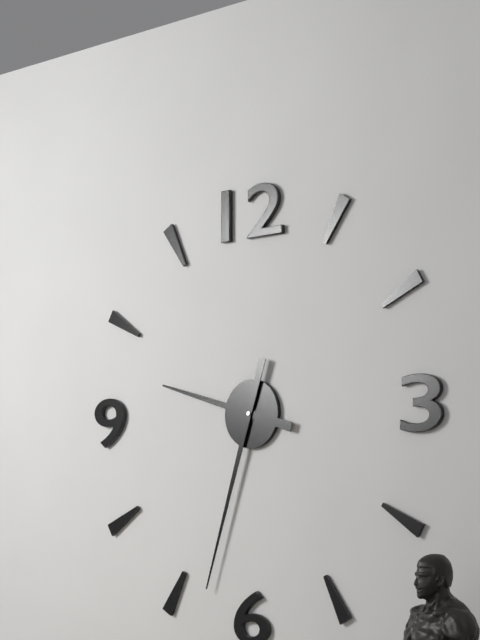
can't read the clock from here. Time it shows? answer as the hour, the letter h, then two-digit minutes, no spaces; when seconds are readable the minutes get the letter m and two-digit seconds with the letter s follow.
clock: 9h33
